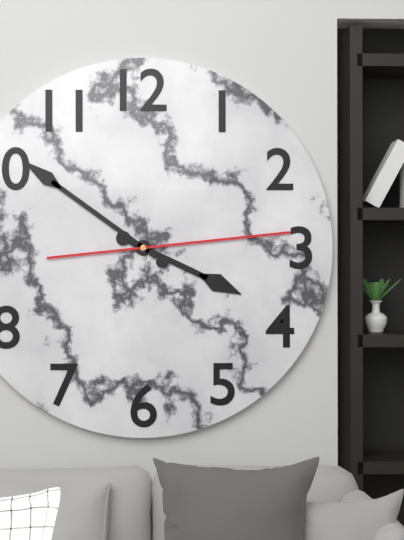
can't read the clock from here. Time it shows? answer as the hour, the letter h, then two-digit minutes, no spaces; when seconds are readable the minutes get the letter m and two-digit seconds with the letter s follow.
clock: 3h51m14s
